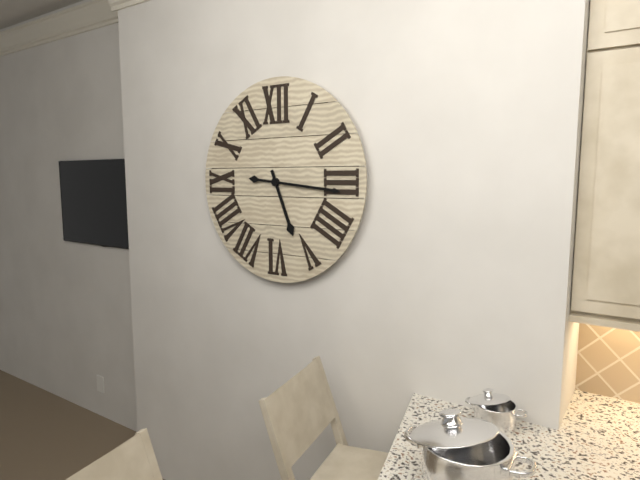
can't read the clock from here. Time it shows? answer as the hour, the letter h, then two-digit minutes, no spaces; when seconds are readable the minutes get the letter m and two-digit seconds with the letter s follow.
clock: 5h16
